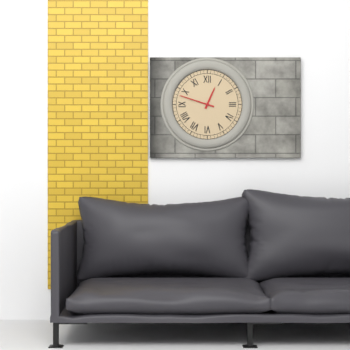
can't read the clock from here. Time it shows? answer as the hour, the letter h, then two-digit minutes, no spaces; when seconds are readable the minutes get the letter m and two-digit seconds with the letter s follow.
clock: 12h48
